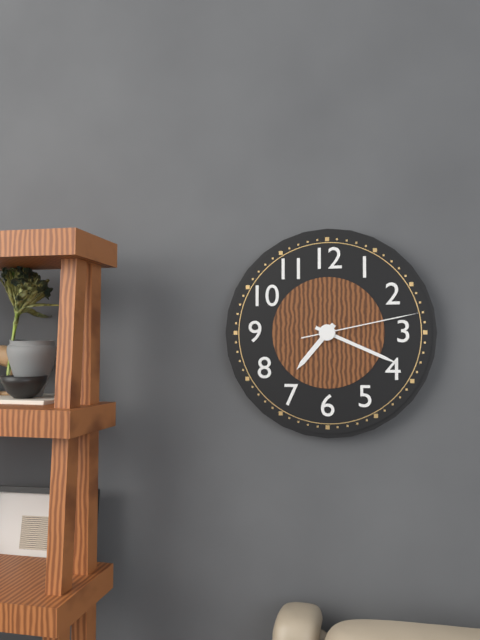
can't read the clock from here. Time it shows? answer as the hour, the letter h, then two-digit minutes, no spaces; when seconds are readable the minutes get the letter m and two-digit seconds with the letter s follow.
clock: 7h19m13s
